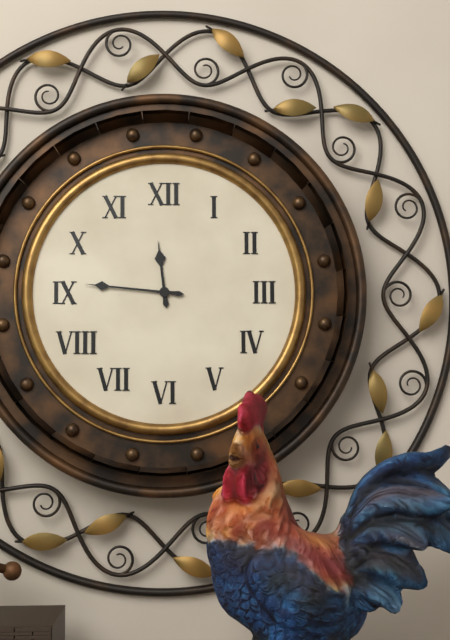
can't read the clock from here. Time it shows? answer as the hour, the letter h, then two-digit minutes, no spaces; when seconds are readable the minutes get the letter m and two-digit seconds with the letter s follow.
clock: 11h46
